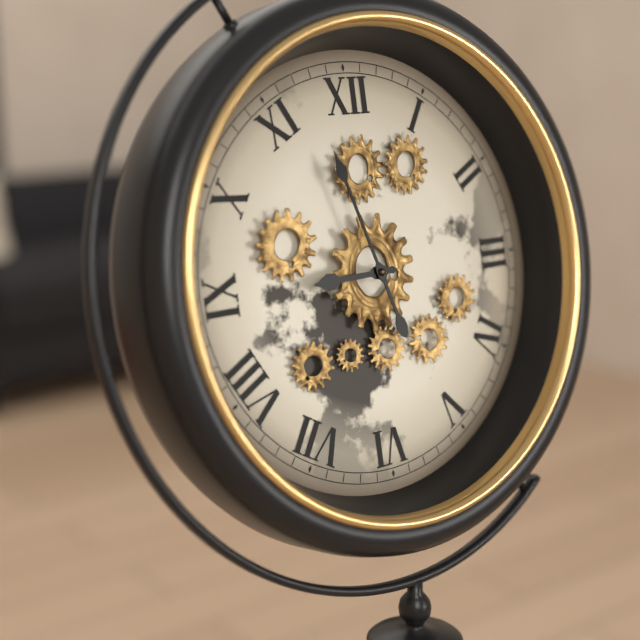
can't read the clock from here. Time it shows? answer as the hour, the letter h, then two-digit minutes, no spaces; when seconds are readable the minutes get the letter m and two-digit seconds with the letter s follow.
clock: 8h57
